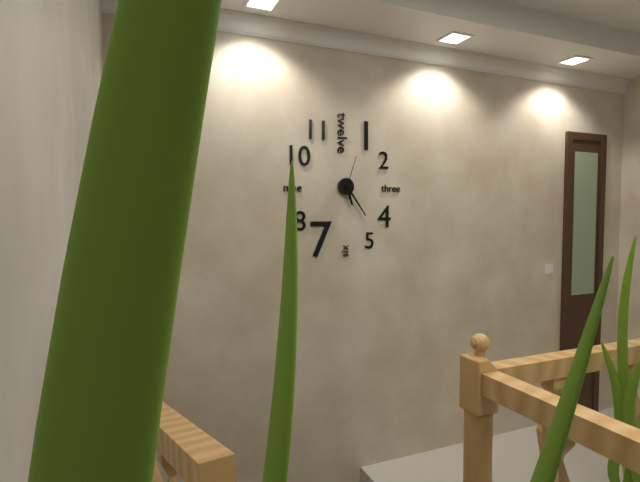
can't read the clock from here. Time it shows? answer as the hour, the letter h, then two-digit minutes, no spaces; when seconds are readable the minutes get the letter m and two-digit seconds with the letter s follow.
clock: 5h24
